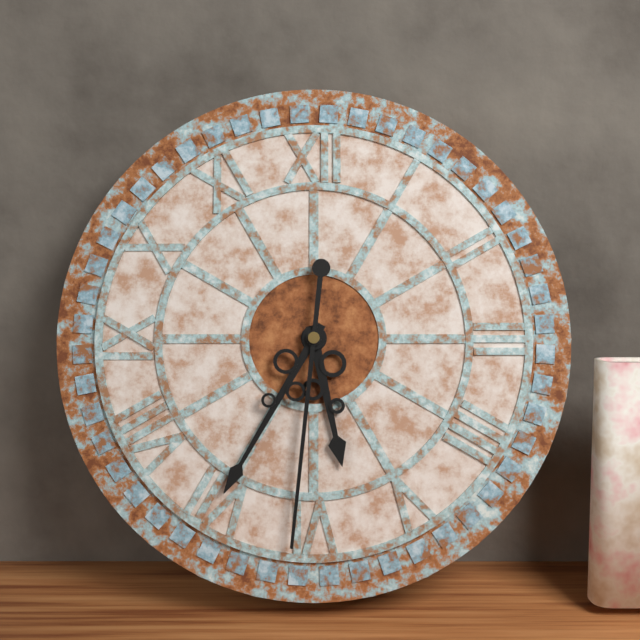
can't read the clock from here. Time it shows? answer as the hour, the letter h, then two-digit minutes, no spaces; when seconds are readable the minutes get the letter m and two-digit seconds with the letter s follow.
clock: 5h35m31s
